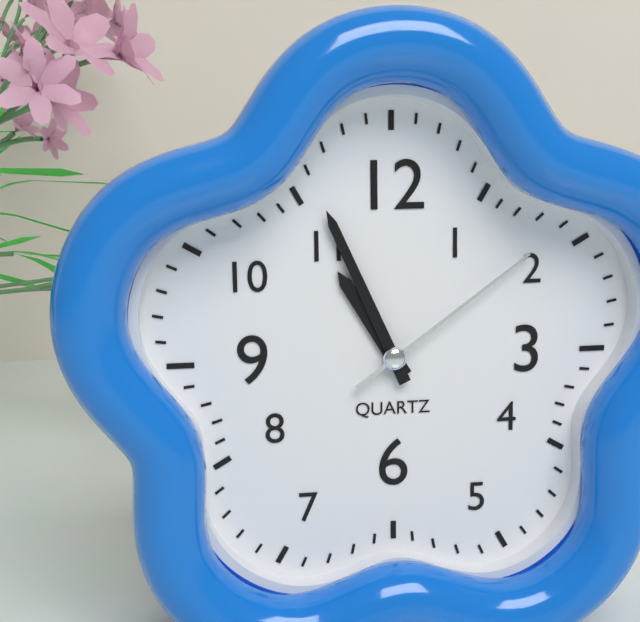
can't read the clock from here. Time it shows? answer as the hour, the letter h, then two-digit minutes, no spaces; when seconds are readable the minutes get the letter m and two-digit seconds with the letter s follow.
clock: 10h56m09s
